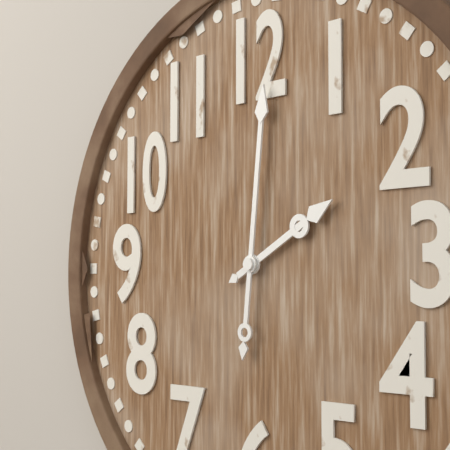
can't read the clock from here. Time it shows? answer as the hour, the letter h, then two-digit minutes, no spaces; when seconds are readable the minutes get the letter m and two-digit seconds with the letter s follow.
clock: 2h01
